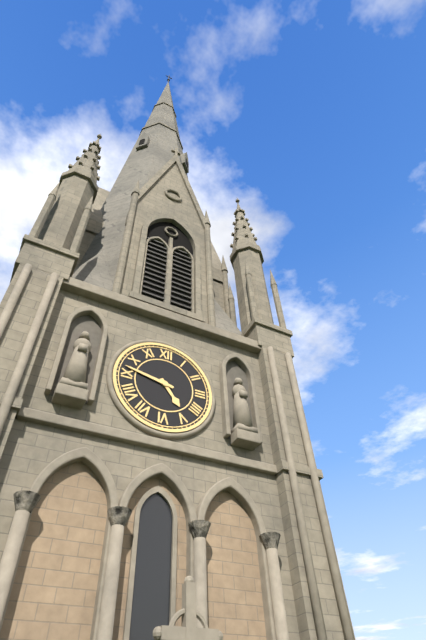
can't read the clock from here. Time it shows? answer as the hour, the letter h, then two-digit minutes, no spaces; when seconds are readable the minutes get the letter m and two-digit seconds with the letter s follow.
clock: 4h47
